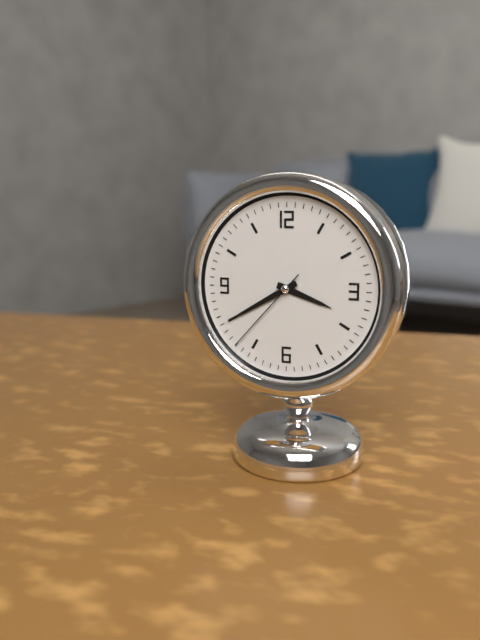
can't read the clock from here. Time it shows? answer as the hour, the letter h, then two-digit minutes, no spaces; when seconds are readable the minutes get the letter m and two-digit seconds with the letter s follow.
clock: 3h40m37s
